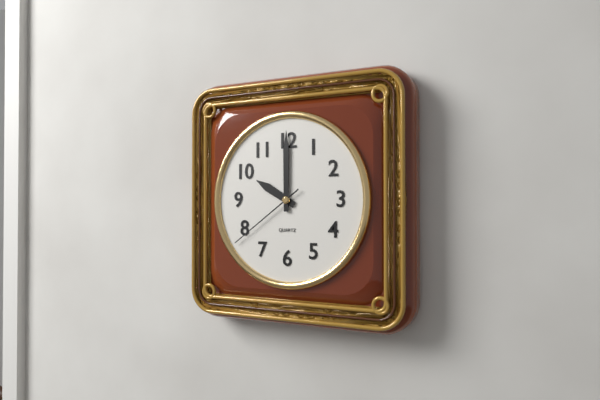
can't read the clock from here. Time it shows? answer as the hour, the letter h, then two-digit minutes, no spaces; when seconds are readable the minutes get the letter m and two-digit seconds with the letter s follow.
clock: 10h00m39s
